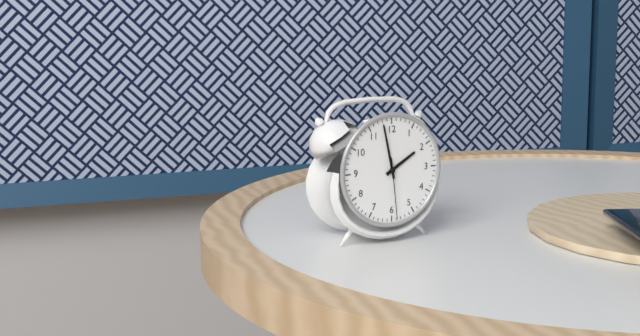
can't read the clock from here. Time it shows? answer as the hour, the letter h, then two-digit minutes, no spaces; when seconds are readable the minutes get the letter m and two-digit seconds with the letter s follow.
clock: 1h58m29s
